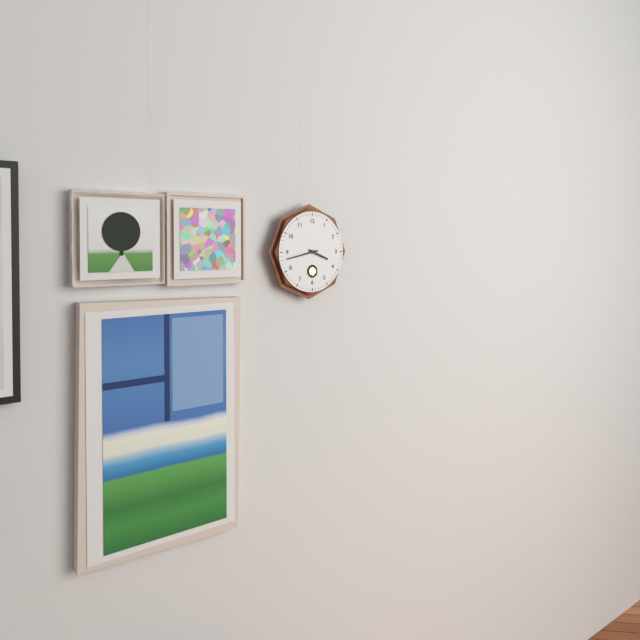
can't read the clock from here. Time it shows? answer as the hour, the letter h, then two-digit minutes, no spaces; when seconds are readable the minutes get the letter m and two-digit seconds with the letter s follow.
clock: 3h43
